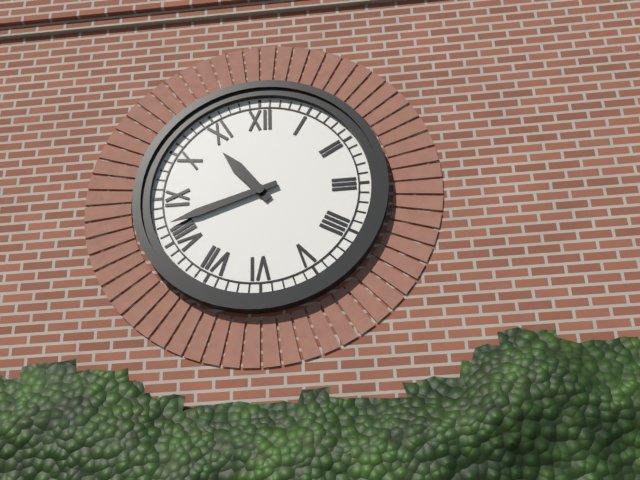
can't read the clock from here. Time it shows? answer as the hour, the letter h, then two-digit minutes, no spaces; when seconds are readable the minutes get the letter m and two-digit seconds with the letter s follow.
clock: 10h42
